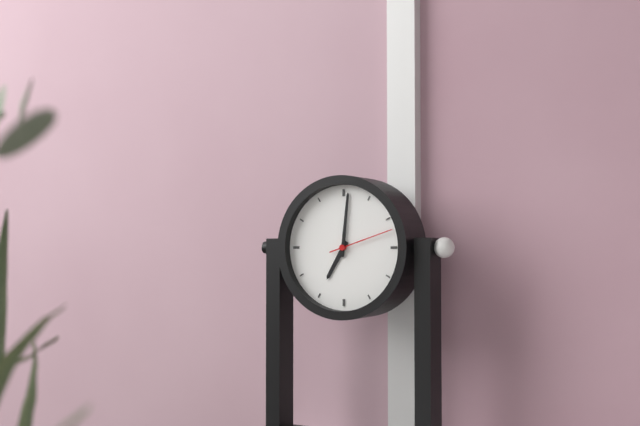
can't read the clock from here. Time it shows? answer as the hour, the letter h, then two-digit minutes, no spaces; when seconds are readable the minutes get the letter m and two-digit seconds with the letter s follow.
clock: 7h01m12s
